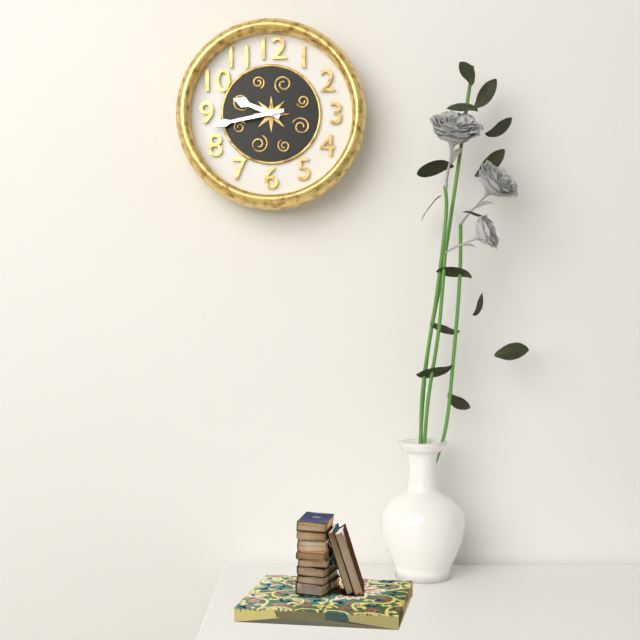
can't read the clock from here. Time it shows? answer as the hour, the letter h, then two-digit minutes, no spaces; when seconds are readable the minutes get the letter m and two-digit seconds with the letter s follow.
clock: 9h43
